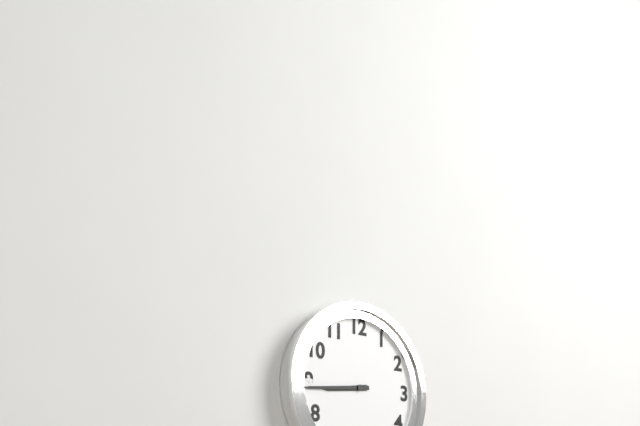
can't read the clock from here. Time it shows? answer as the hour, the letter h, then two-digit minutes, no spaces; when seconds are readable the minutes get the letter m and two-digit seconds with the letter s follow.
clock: 8h44
